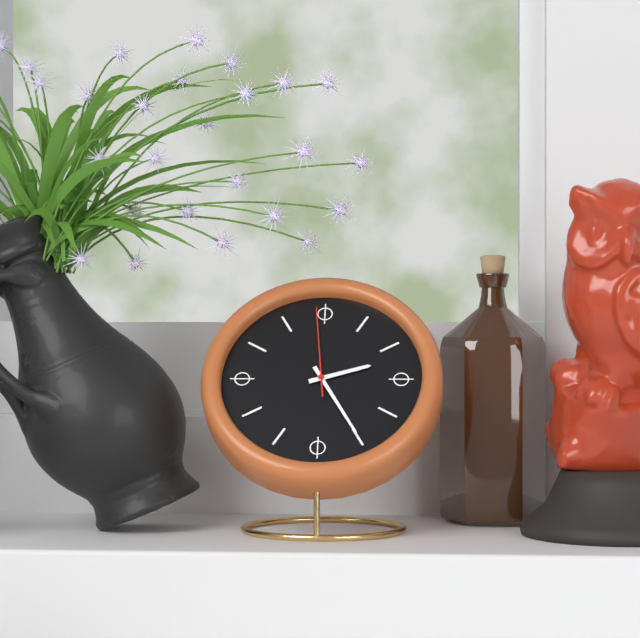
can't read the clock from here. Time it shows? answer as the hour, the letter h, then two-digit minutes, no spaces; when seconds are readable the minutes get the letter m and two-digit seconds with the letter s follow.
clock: 2h25m59s
